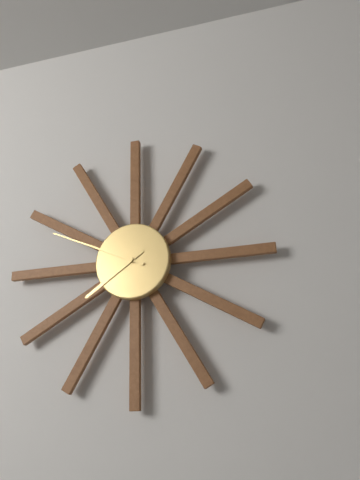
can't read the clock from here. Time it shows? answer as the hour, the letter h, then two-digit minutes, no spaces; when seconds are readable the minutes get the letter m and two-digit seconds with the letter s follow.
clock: 7h49
